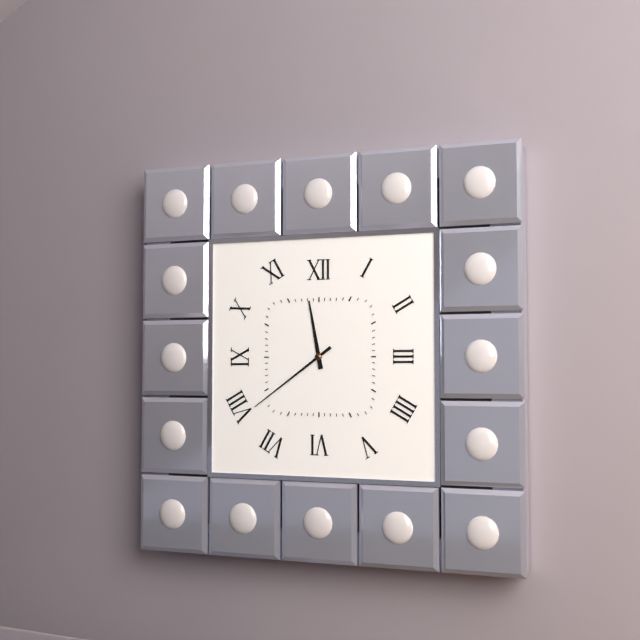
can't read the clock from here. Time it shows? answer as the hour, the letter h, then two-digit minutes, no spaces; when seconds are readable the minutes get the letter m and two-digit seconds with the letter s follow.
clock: 11h39
